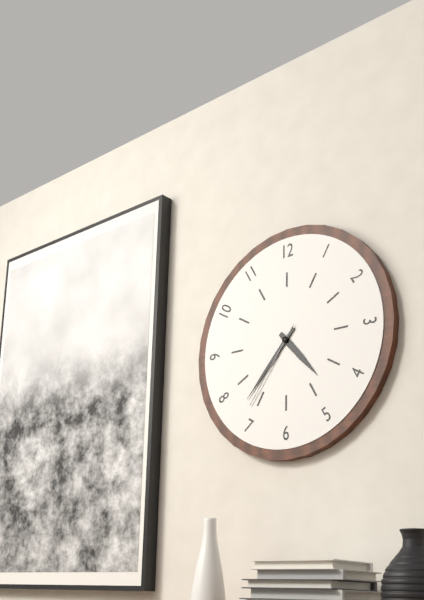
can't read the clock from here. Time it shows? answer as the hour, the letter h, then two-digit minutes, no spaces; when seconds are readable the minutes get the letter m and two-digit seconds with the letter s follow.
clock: 4h37m36s
